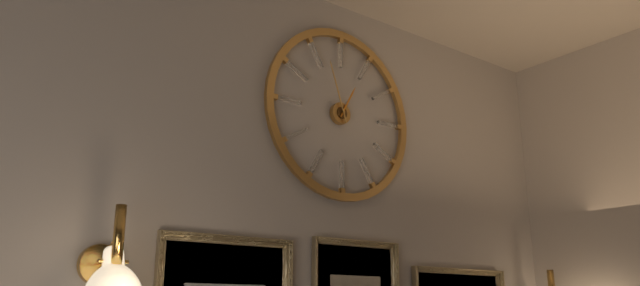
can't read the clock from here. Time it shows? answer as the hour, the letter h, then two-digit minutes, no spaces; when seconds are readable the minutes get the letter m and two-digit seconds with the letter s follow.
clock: 12h57
